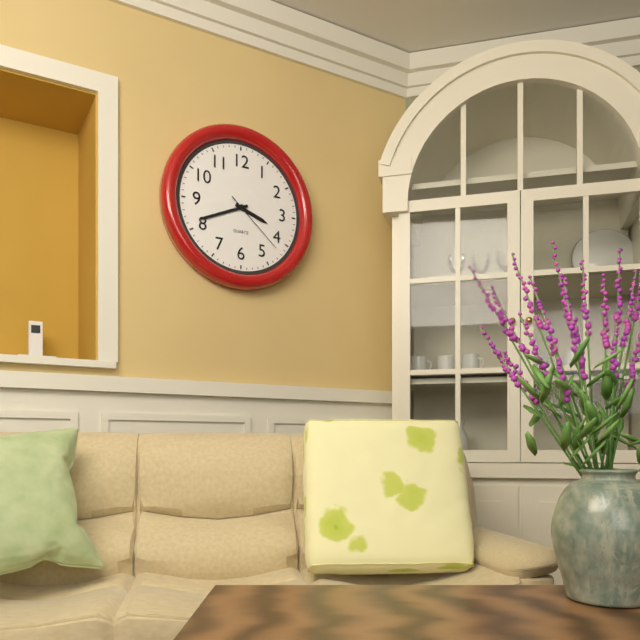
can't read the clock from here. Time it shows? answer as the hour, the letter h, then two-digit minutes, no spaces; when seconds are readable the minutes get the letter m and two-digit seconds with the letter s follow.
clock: 3h41m22s
